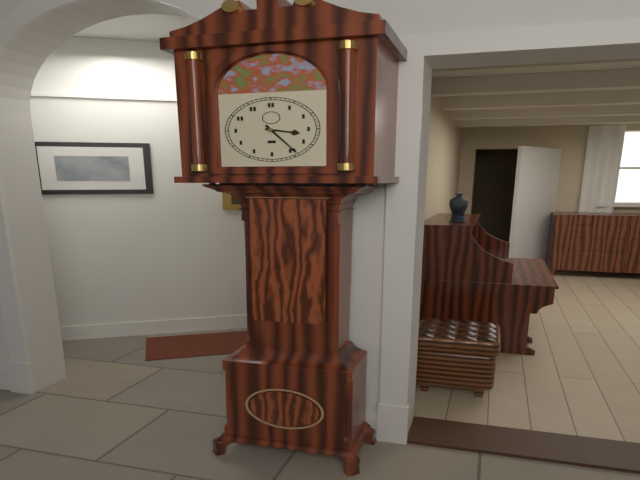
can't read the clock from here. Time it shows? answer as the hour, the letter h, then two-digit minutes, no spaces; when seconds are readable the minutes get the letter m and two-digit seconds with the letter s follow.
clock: 3h24
